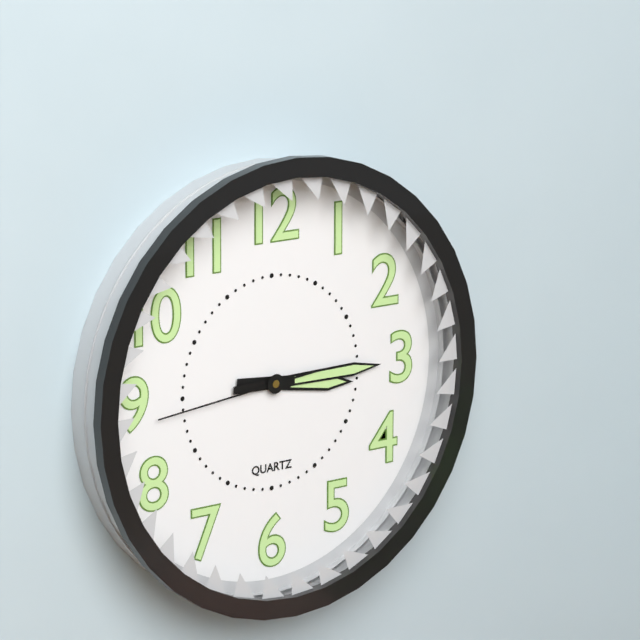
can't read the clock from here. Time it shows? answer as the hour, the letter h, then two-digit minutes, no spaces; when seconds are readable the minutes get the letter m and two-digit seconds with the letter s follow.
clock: 3h15m44s
